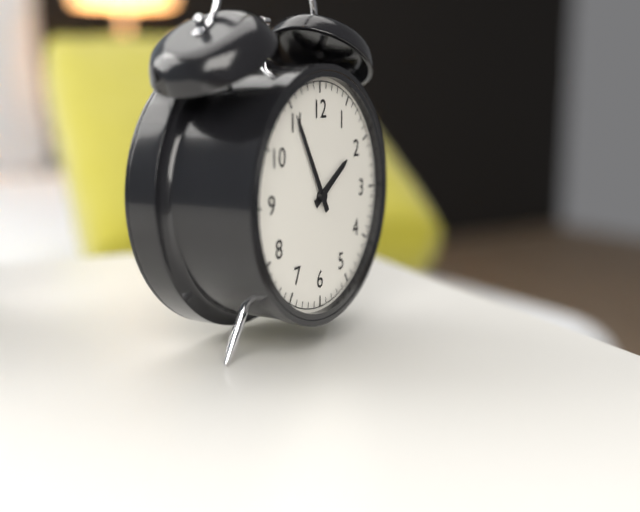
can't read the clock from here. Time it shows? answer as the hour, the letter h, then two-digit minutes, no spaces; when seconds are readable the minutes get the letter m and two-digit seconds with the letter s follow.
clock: 1h55
